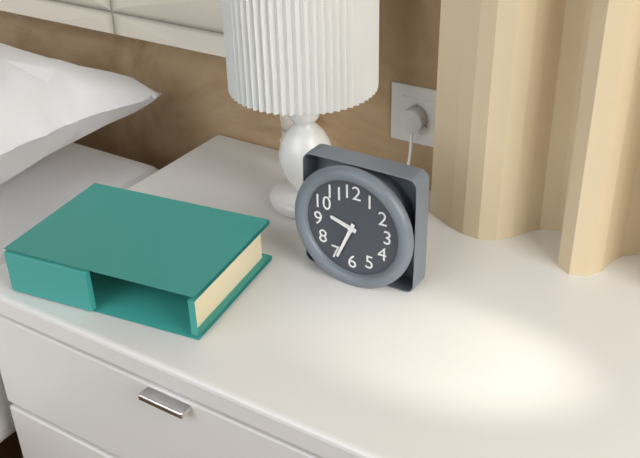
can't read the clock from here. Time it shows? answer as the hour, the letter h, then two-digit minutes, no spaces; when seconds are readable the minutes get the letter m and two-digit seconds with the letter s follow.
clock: 9h34
